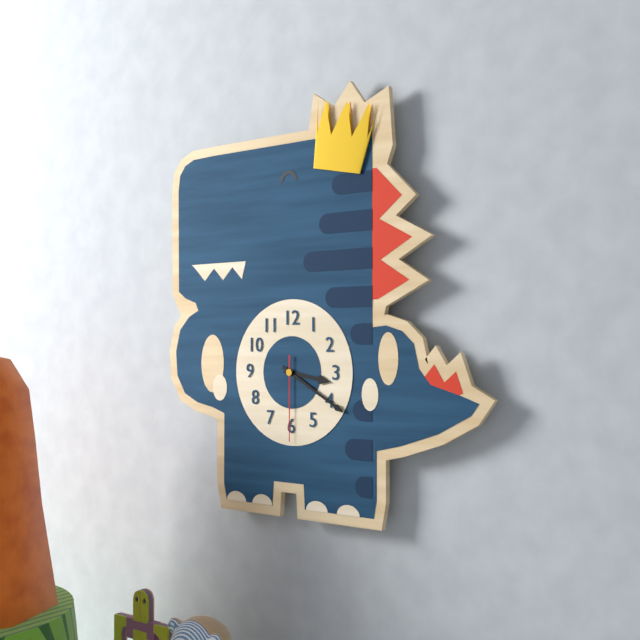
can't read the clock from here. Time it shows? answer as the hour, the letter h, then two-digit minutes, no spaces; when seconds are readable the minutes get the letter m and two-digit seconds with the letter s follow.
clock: 3h20m30s
